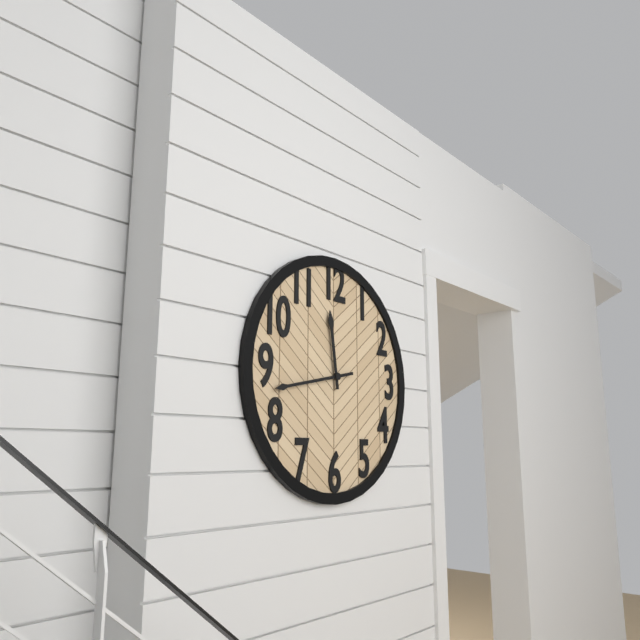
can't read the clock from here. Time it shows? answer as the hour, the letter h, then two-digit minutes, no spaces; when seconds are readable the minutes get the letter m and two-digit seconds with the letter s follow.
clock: 11h43
